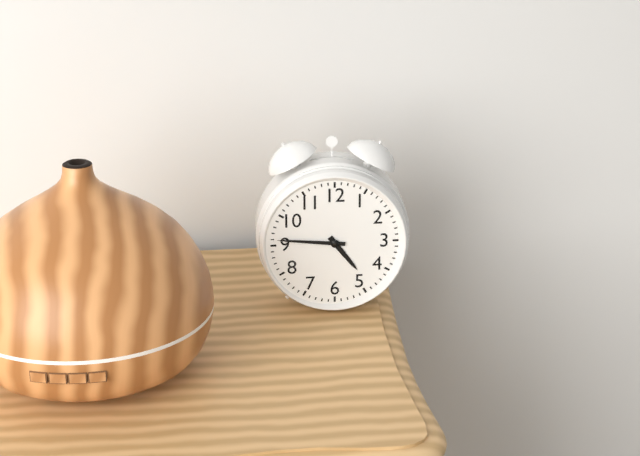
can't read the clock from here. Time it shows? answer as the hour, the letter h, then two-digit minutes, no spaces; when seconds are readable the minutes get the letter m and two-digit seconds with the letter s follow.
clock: 4h46
